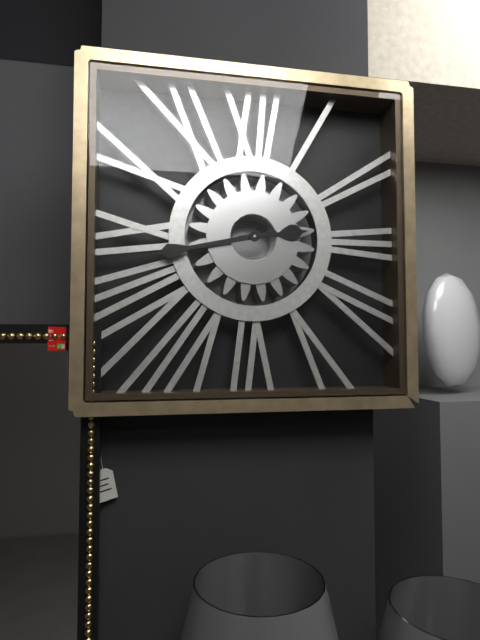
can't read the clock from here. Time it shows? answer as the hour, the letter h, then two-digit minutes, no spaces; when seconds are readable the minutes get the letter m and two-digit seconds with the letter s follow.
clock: 2h43
